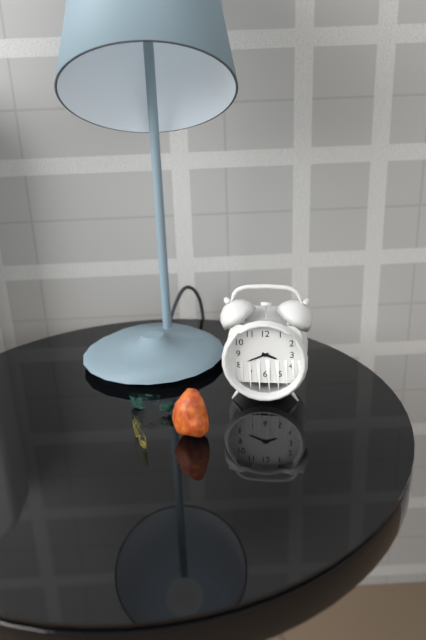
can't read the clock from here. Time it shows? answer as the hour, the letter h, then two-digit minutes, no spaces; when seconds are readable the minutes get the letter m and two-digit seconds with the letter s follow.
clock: 3h41
